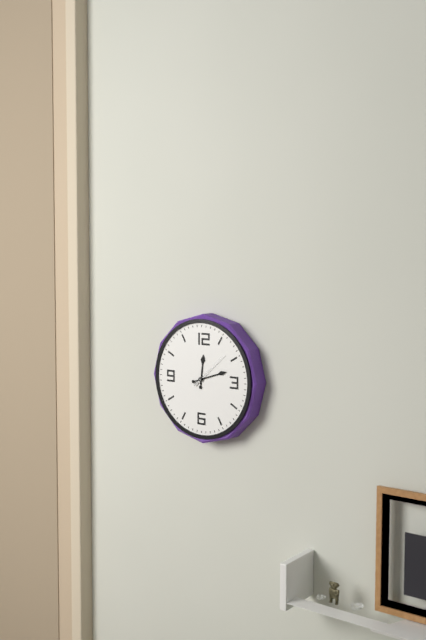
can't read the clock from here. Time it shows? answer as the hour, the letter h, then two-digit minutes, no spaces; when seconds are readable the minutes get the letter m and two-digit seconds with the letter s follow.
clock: 12h12
